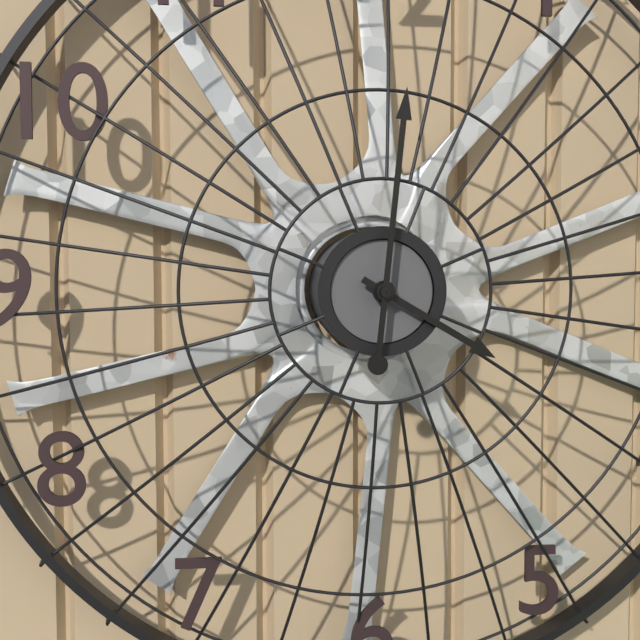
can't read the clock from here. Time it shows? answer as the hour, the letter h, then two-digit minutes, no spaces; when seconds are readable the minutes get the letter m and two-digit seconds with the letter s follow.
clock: 4h01
